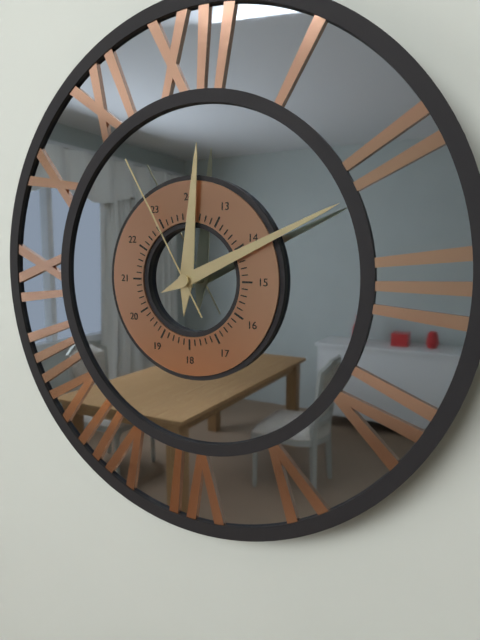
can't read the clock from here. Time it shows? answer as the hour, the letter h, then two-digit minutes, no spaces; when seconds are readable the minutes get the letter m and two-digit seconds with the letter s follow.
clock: 12h11m55s
